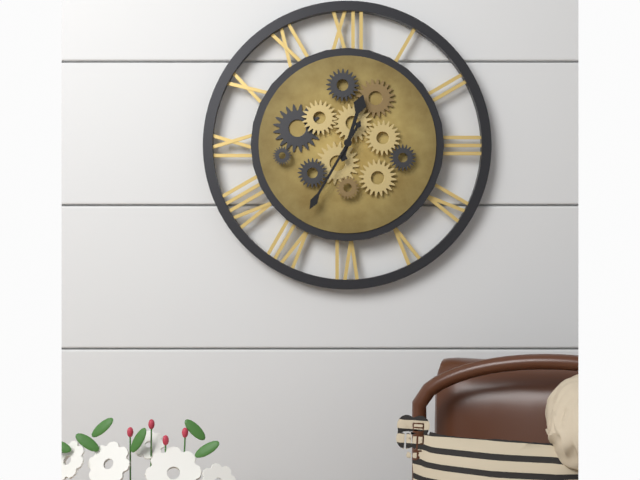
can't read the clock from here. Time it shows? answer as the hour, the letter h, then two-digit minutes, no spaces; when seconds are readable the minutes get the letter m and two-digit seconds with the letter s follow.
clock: 12h35
